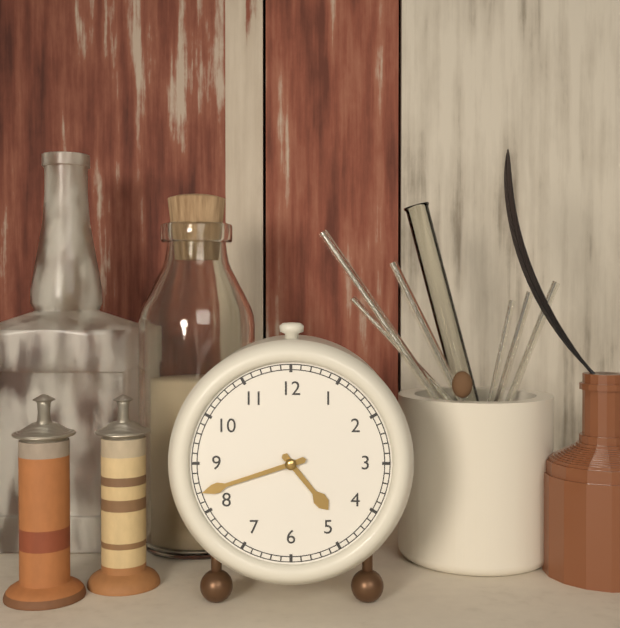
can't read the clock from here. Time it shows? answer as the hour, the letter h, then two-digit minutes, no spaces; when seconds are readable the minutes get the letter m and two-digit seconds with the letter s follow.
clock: 4h42
